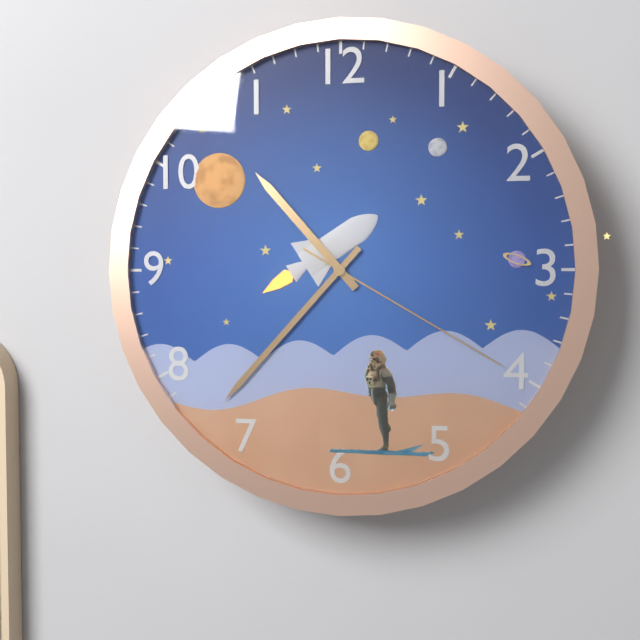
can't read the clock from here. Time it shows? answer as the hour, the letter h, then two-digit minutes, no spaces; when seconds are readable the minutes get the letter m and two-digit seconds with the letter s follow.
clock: 10h37m20s
